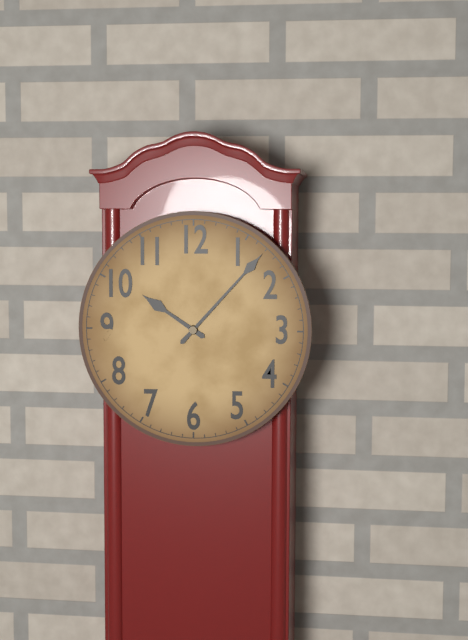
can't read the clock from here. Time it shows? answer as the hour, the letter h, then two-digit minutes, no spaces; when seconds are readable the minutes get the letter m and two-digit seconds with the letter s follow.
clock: 10h07
